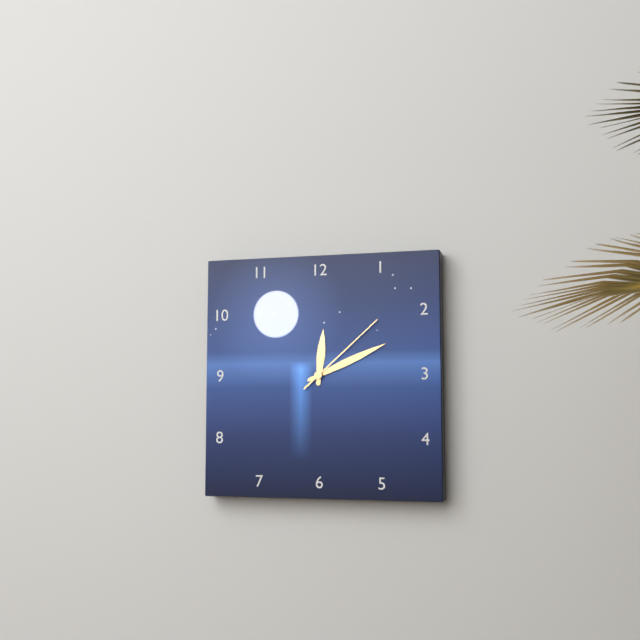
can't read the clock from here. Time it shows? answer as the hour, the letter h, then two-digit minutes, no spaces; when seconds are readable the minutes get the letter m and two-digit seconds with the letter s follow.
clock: 12h11m08s
